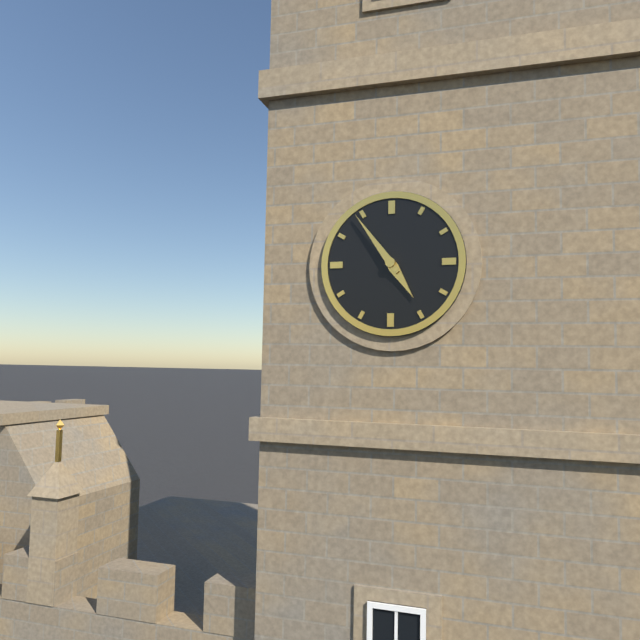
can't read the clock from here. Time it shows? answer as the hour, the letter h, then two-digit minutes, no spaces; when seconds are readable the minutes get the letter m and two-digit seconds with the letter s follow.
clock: 4h54
